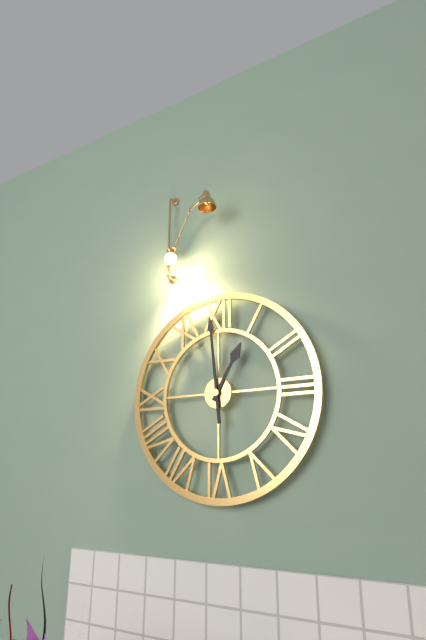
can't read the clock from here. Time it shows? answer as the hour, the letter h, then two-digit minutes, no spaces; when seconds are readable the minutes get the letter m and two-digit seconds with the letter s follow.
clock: 12h59
